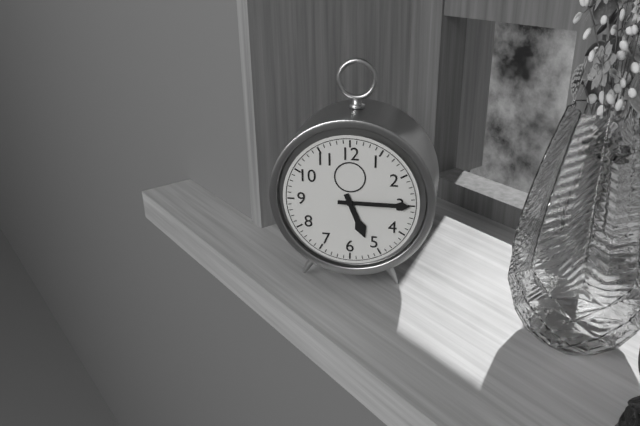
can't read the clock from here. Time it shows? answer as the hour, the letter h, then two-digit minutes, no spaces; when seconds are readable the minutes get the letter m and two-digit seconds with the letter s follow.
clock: 5h15
